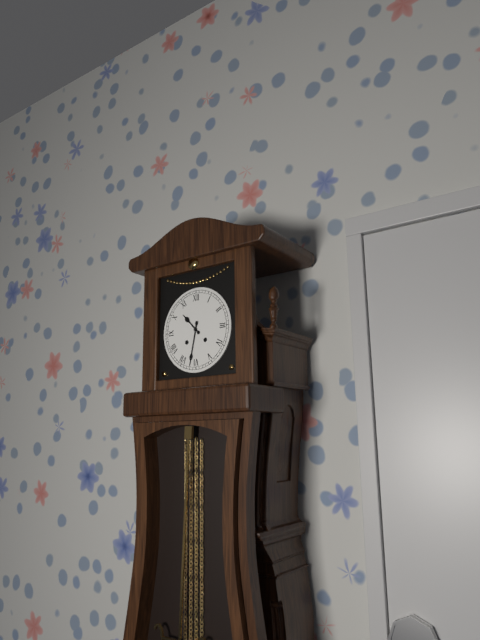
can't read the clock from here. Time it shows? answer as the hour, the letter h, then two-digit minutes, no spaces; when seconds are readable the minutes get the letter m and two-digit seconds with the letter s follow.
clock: 10h32
